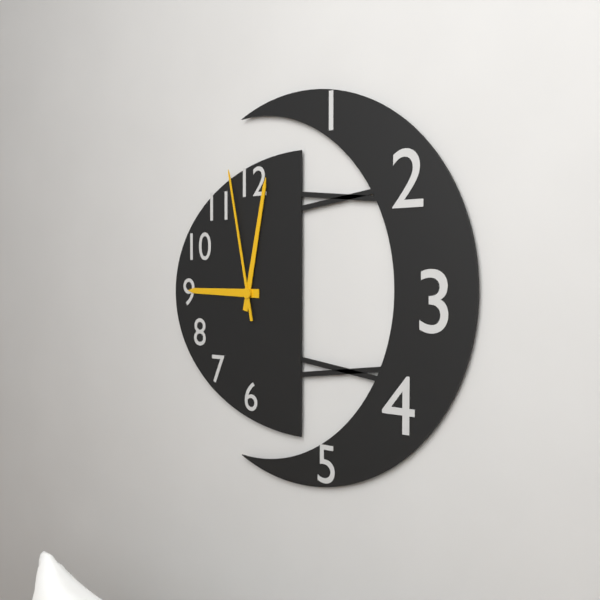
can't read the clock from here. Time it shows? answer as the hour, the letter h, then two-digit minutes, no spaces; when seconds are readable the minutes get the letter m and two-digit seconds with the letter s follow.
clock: 9h02m58s
